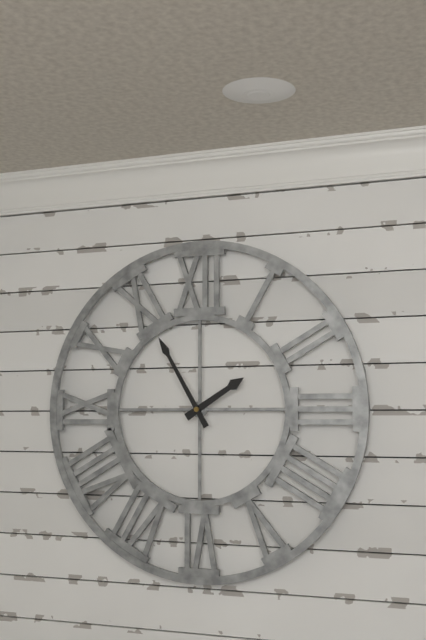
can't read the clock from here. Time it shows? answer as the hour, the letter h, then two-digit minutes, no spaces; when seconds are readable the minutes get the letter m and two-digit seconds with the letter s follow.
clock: 1h55
